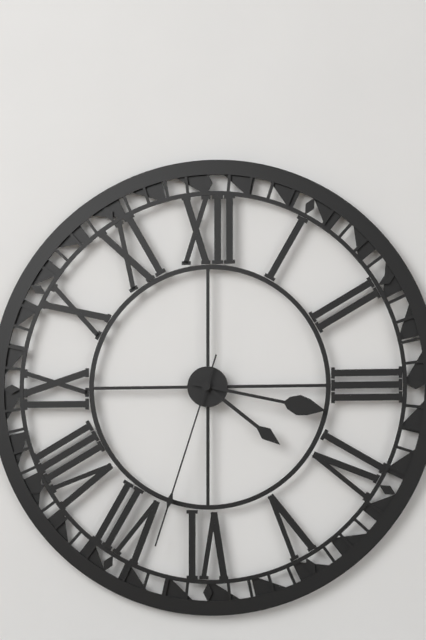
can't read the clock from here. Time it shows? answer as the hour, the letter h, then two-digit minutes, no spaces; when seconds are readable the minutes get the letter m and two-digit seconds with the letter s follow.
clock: 4h17m33s
